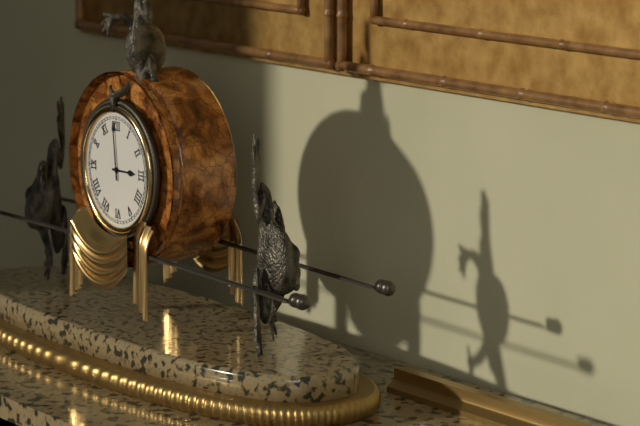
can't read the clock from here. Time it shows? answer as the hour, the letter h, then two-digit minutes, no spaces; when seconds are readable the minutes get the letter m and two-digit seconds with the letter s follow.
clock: 2h59
